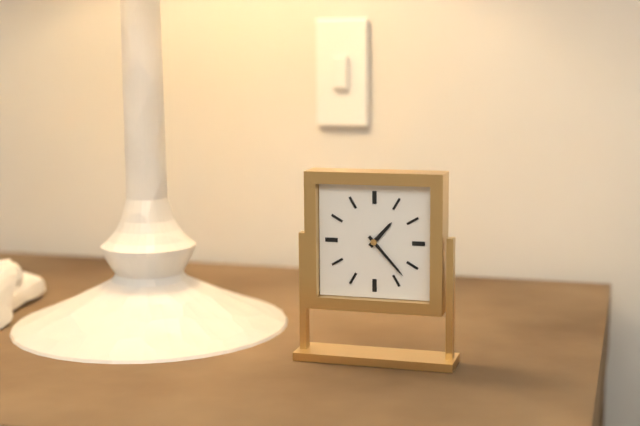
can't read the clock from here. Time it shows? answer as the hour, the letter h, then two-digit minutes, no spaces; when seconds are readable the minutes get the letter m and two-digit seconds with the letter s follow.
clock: 1h23
